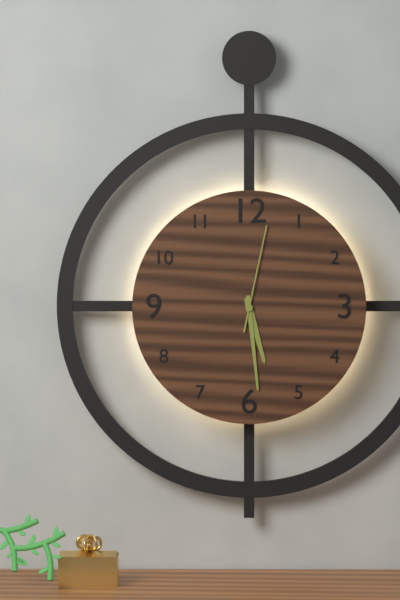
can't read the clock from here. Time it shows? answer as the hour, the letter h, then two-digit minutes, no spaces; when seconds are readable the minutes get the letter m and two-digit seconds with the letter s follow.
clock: 5h29m02s
